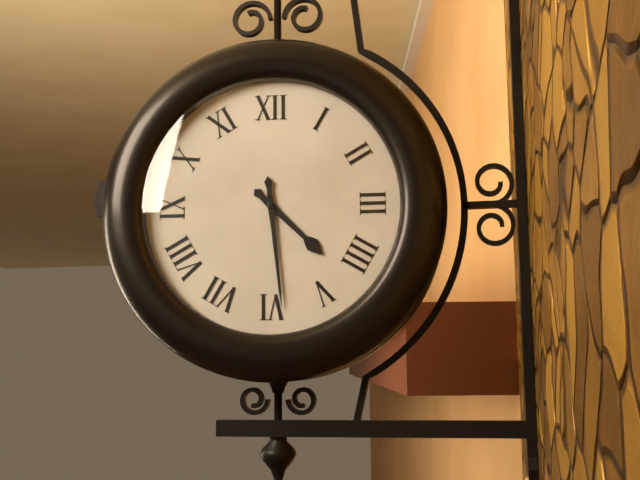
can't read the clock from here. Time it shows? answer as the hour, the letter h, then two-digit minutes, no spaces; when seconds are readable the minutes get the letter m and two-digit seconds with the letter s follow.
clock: 4h29
